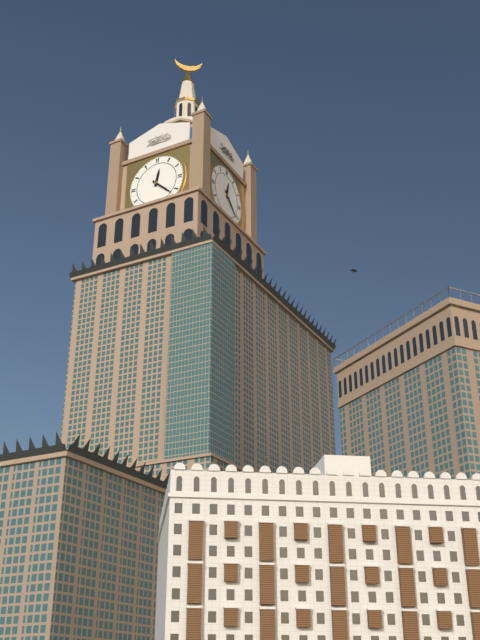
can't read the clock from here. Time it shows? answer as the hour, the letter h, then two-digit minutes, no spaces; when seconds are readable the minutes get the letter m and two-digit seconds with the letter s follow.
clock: 12h22
